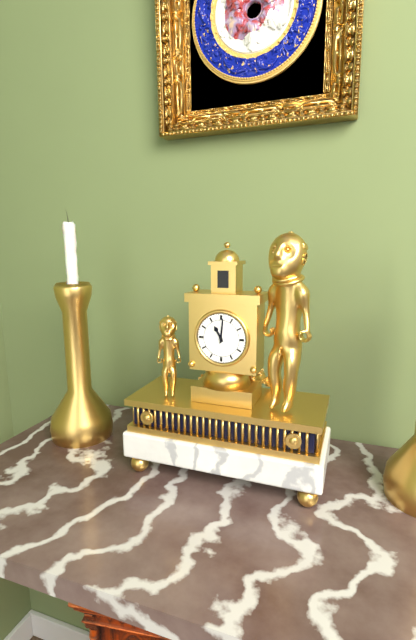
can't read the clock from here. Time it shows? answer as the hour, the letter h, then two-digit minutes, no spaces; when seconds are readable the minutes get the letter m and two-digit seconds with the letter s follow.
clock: 11h01
